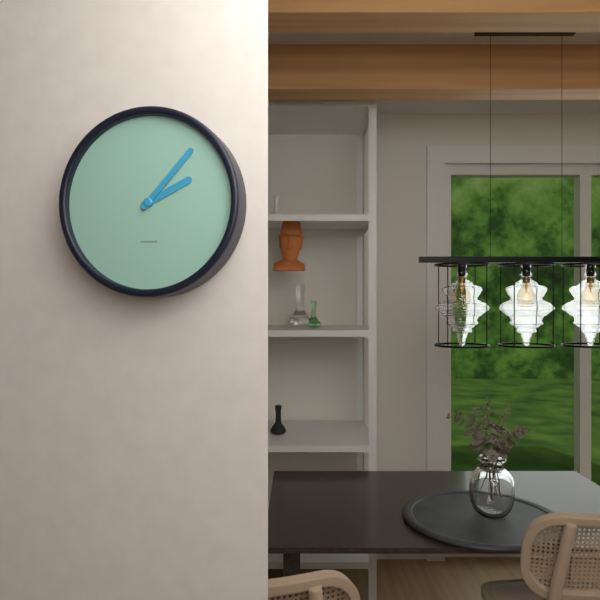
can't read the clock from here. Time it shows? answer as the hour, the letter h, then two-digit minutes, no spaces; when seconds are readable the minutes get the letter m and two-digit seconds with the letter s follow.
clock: 2h07
